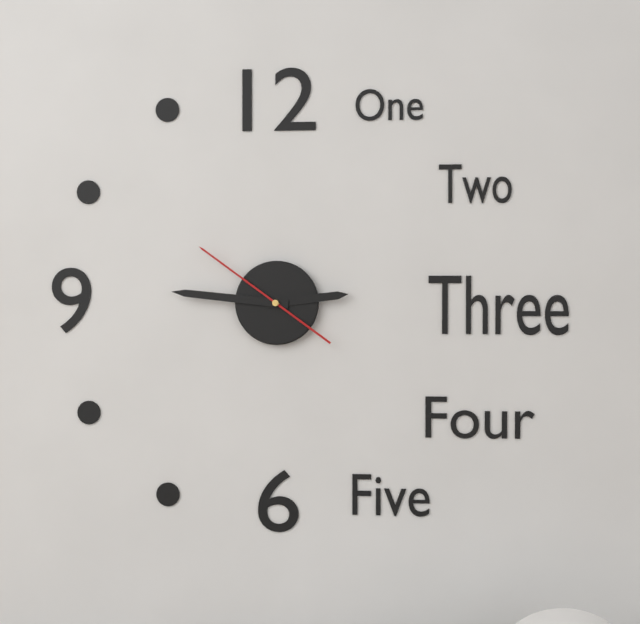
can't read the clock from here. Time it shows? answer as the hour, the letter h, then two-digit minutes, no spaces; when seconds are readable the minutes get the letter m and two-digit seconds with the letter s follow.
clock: 2h46m51s
